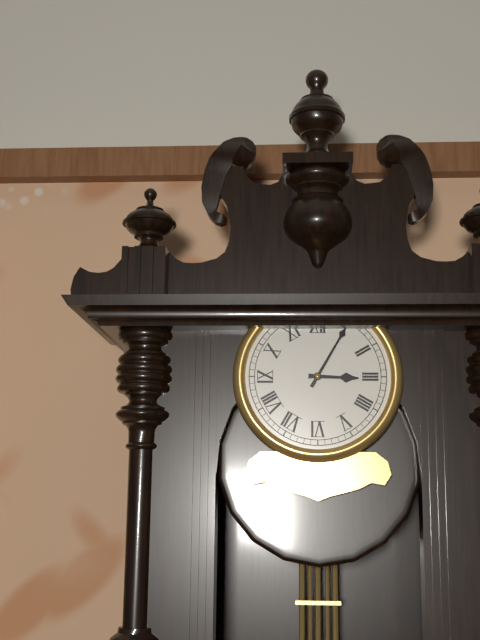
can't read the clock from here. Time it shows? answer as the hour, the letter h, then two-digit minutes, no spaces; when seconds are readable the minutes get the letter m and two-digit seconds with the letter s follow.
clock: 3h05
